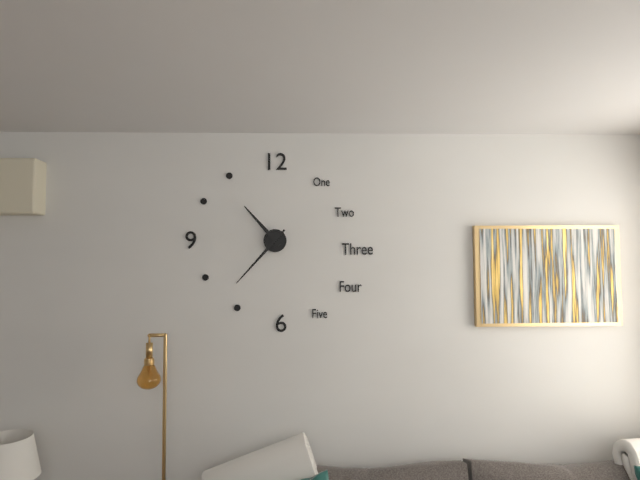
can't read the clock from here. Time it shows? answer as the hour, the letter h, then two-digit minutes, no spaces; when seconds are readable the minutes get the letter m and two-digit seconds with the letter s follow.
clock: 10h37
